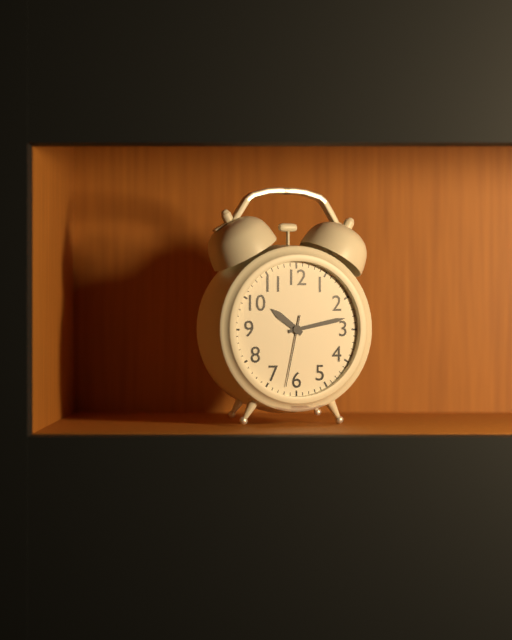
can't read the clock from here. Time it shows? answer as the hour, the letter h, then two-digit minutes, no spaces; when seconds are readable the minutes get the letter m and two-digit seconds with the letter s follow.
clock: 10h13m32s
